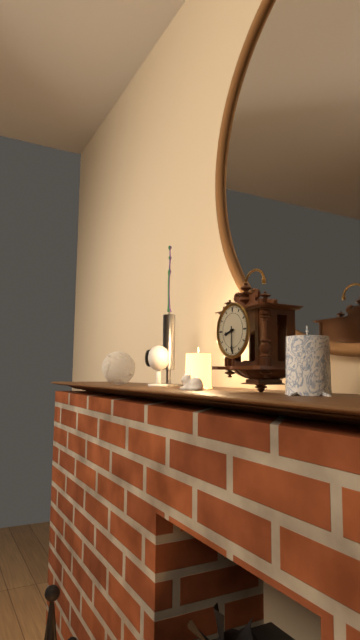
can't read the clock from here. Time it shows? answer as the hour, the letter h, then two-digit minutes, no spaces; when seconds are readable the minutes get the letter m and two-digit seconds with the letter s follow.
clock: 8h30
